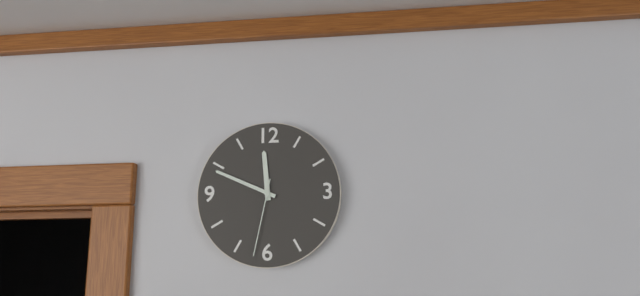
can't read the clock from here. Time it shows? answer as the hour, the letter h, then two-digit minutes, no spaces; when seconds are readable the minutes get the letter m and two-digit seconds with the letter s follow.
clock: 11h49m32s
